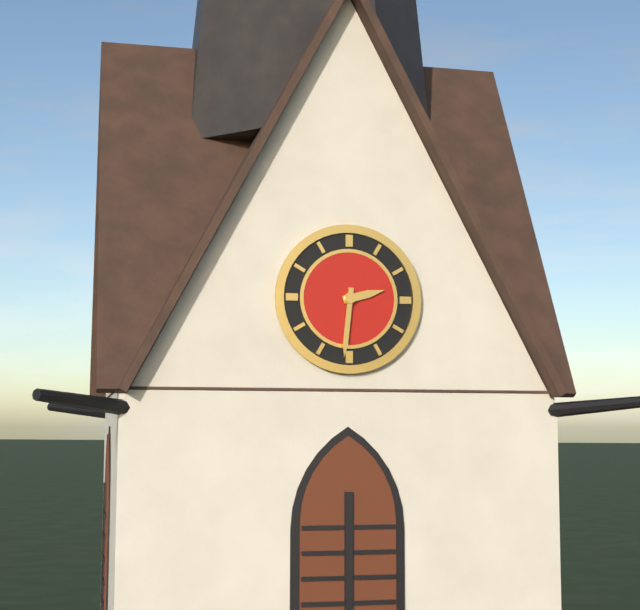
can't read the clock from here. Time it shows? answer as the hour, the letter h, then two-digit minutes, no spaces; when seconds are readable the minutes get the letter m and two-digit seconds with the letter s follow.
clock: 2h31
